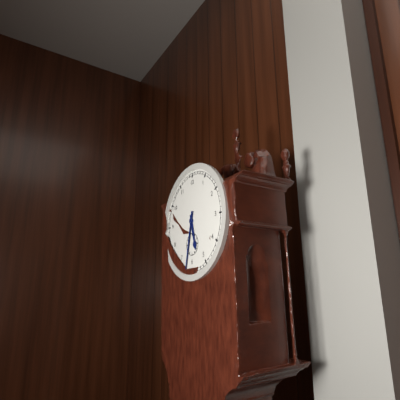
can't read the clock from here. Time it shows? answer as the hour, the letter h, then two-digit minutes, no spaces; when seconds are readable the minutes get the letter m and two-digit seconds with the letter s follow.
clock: 5h32
